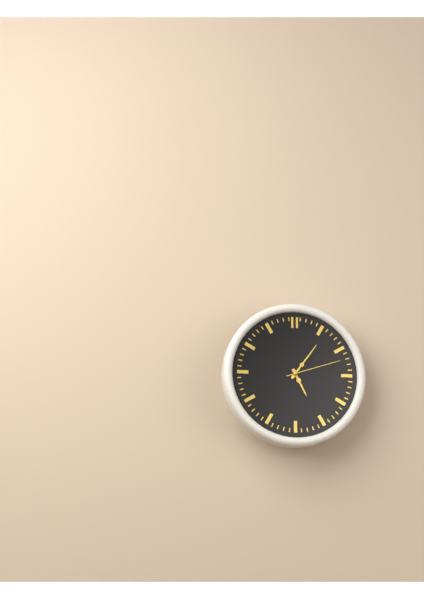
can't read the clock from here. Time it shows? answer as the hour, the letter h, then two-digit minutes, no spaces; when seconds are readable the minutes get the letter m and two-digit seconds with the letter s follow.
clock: 5h06m12s
